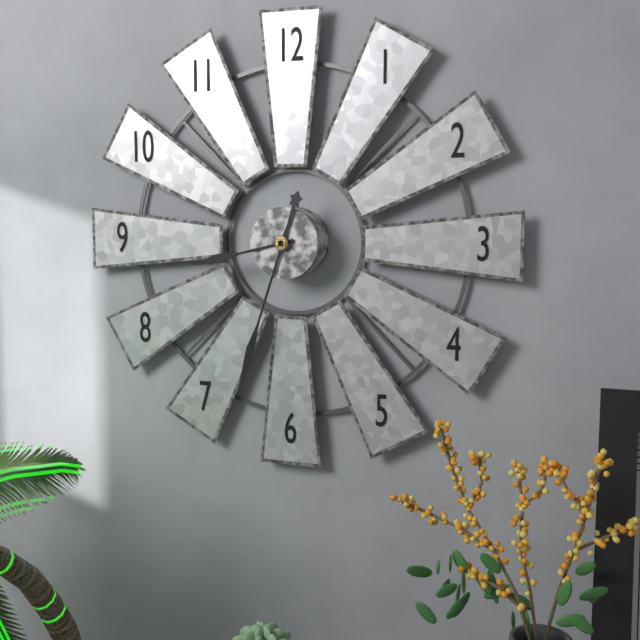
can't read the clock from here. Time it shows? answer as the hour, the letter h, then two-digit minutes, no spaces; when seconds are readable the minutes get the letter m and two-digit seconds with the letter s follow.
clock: 8h33
